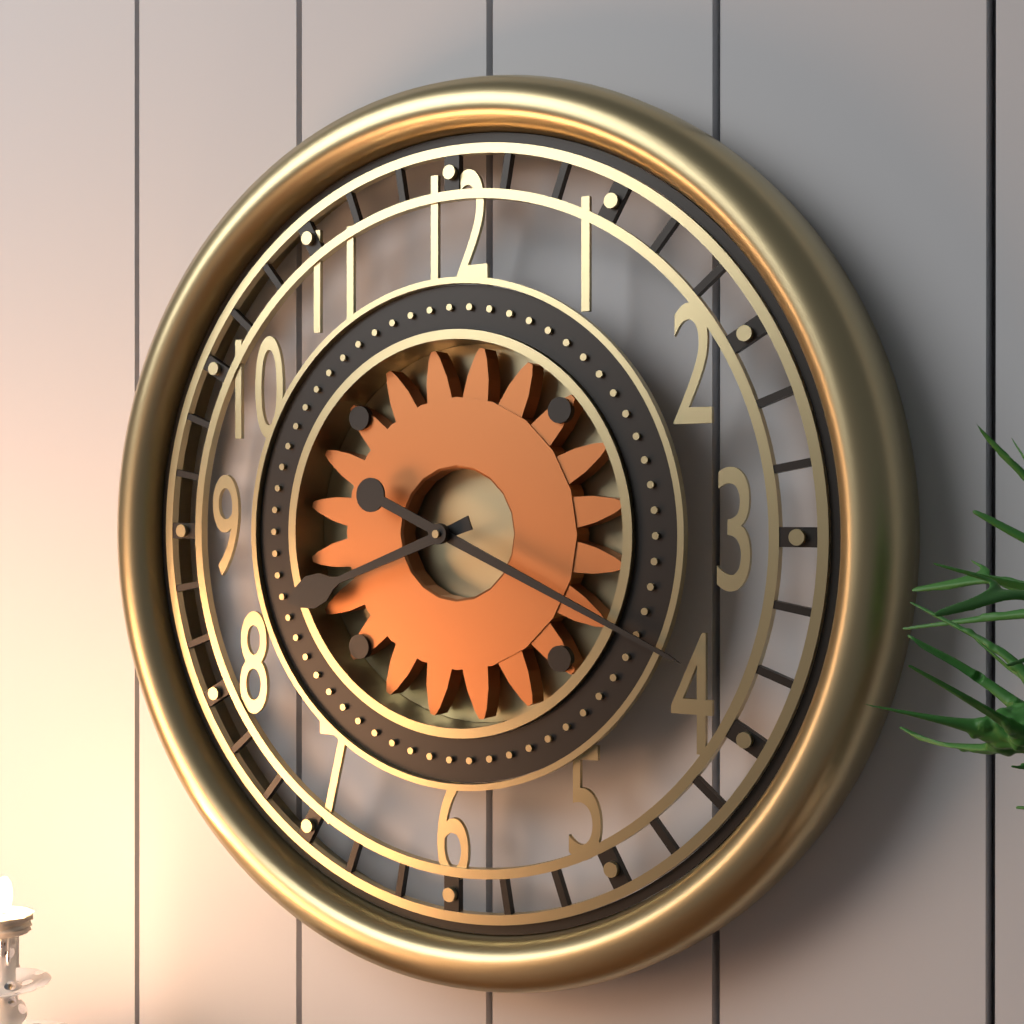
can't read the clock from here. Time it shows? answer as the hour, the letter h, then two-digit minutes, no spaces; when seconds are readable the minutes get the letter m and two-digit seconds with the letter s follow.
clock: 8h19
